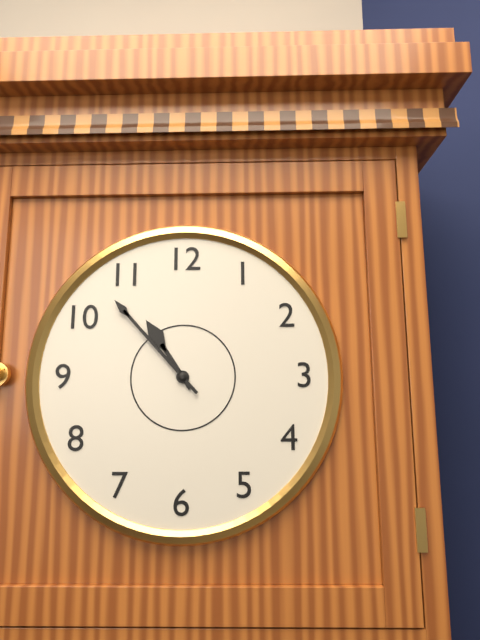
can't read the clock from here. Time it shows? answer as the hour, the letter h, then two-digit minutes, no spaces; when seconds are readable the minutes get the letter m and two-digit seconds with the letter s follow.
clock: 10h53
